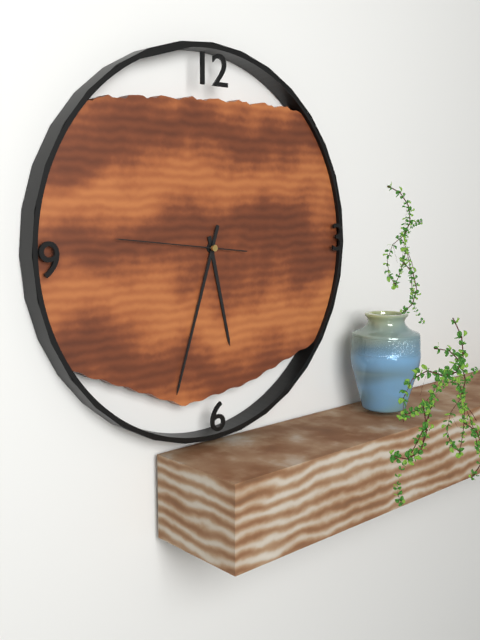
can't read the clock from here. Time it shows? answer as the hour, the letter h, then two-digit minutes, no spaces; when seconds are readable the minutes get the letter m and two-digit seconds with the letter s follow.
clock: 5h33m46s
